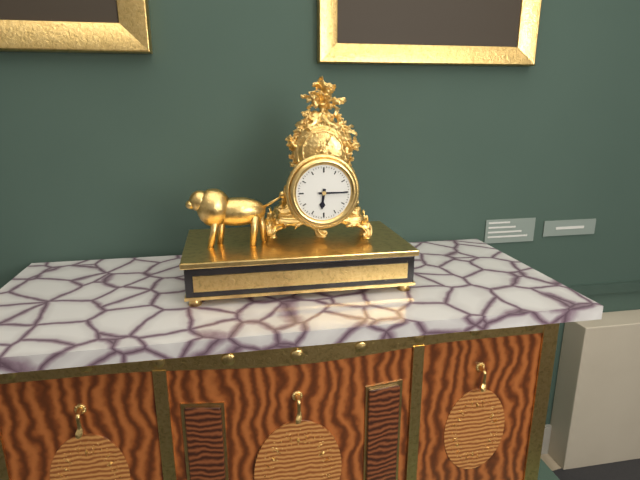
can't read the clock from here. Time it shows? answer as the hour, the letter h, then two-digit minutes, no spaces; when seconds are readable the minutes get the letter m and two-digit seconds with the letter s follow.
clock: 6h15
